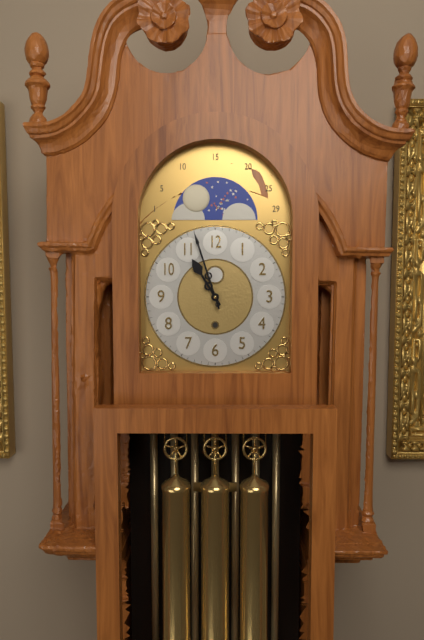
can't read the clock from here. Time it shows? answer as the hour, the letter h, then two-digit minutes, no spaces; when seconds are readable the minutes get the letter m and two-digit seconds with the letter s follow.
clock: 10h57
